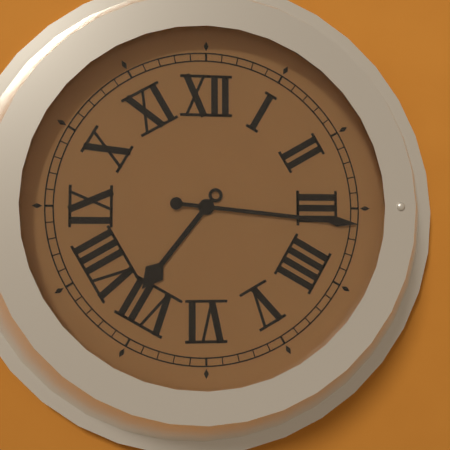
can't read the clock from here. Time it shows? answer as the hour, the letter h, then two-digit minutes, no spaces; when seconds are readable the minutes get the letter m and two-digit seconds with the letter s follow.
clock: 7h16
